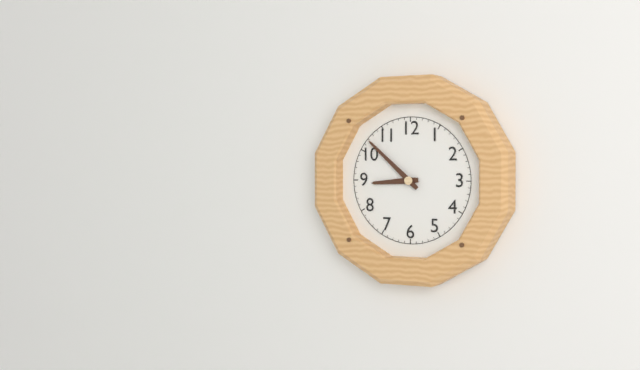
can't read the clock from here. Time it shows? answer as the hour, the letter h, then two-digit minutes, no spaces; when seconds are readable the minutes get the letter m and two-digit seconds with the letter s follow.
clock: 8h52
